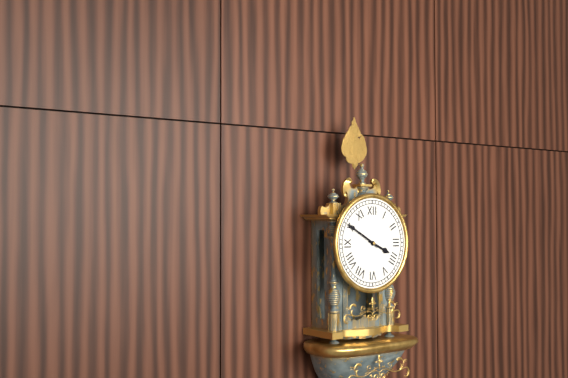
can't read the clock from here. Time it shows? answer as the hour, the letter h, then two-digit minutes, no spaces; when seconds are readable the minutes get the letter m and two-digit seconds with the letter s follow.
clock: 3h50
